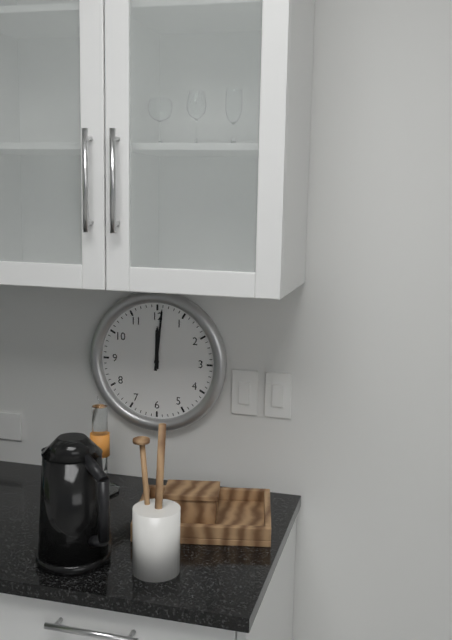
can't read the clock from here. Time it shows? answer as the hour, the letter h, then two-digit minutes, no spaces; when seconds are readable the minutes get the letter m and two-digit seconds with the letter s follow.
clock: 12h01
